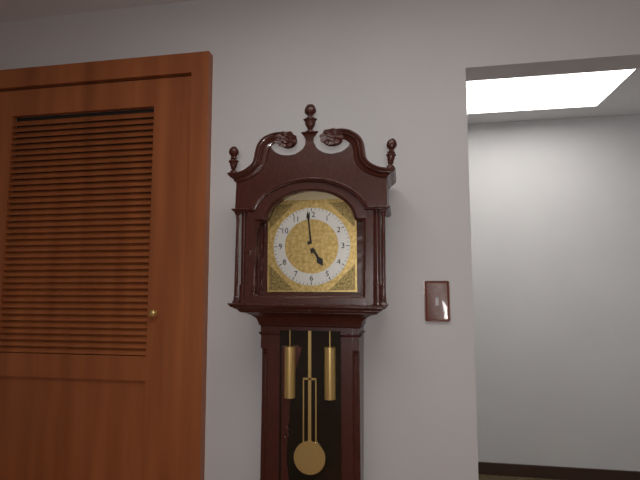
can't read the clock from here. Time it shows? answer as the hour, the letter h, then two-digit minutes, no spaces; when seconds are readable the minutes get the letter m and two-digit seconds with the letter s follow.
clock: 4h59
